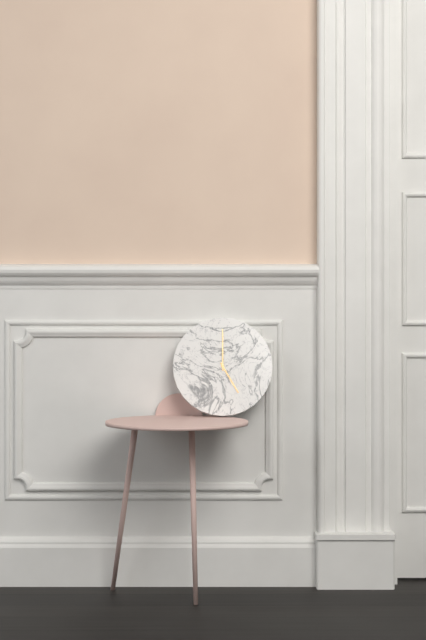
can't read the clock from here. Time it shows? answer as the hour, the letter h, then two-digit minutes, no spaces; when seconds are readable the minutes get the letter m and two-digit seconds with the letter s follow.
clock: 5h00
